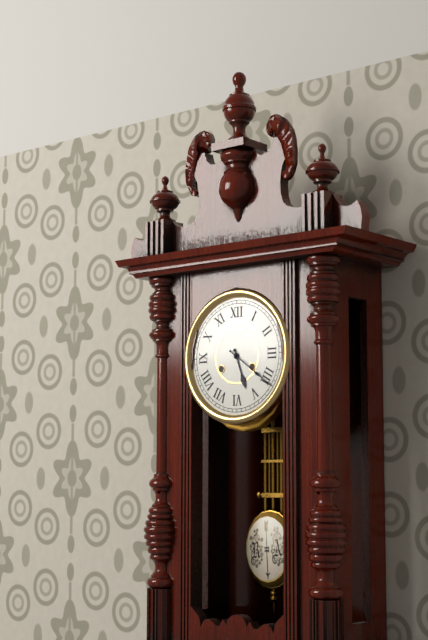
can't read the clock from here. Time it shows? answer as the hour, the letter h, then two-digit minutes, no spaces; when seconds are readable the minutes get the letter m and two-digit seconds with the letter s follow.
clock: 5h21
